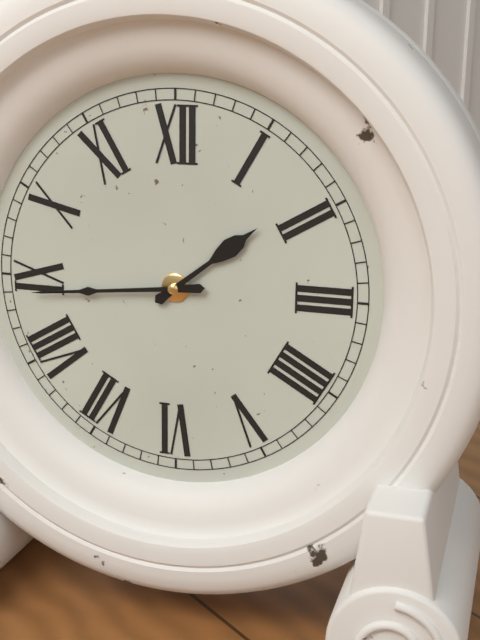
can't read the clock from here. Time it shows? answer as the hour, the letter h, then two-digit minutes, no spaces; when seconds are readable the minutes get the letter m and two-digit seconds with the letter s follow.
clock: 1h44
